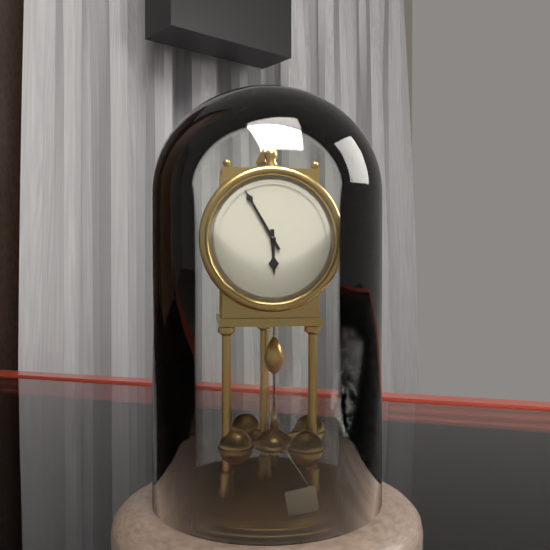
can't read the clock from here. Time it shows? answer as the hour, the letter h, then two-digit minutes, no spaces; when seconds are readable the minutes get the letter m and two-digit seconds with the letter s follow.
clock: 5h55
